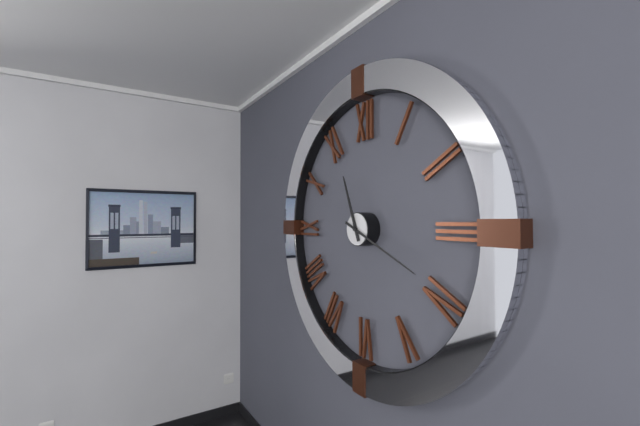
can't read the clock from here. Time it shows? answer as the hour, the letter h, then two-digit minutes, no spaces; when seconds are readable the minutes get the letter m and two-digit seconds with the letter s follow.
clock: 11h19
